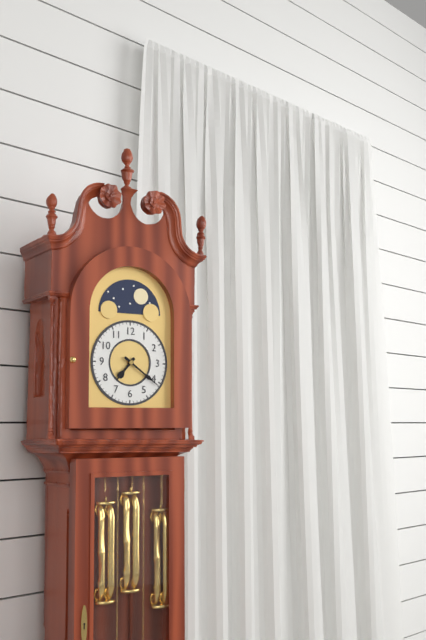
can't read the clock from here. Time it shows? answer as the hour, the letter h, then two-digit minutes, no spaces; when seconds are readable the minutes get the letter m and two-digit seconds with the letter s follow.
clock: 7h21
